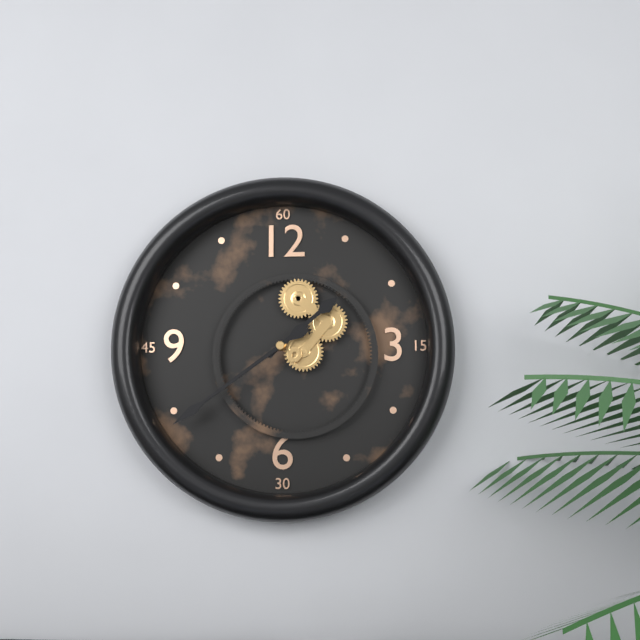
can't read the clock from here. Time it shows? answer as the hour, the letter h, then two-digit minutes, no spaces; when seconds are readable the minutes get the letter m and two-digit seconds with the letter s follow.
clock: 1h39
